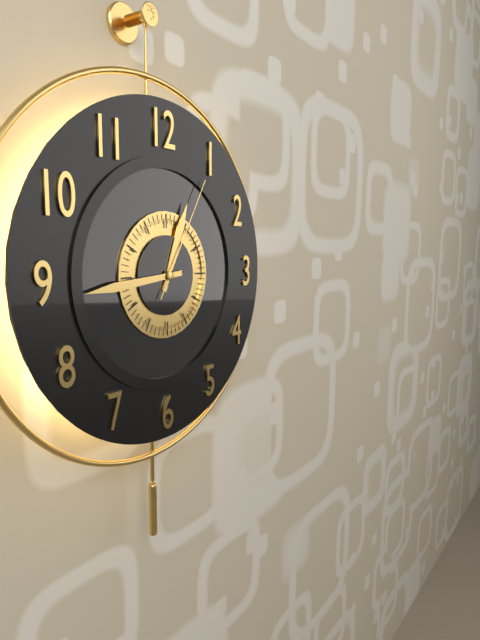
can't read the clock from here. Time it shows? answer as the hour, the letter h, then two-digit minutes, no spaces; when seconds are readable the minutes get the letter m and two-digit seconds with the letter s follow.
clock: 12h44m05s
